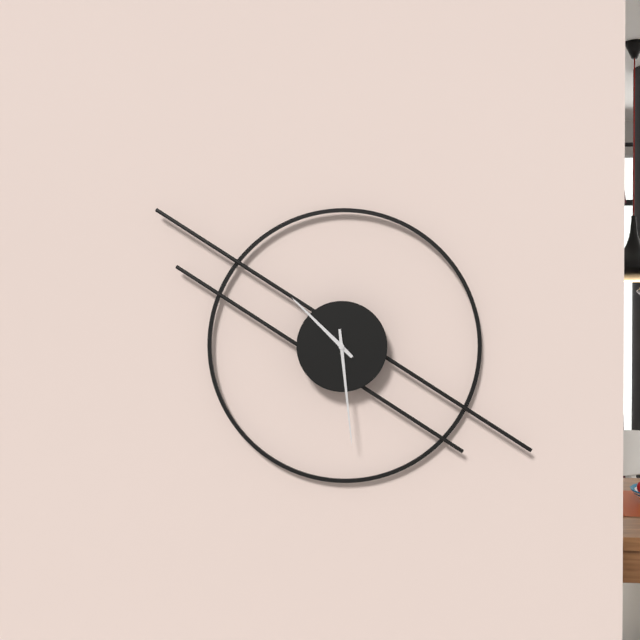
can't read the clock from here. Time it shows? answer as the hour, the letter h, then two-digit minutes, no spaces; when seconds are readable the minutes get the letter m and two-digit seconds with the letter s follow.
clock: 10h29
